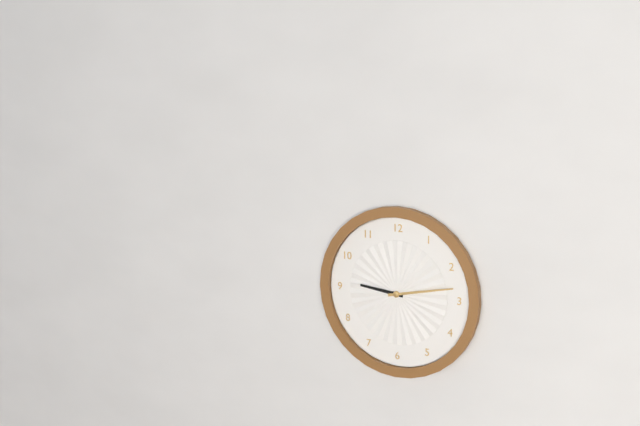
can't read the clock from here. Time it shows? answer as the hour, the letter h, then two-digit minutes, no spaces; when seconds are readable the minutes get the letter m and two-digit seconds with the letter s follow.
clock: 9h13
